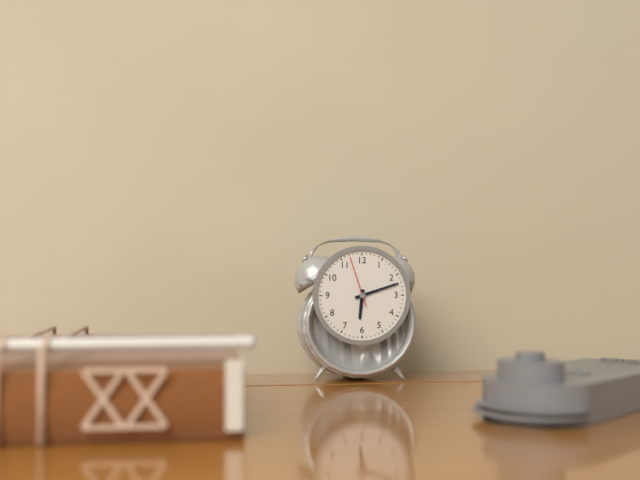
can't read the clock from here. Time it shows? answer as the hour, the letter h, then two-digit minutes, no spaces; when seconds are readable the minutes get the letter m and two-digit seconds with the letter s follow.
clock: 6h12m57s
